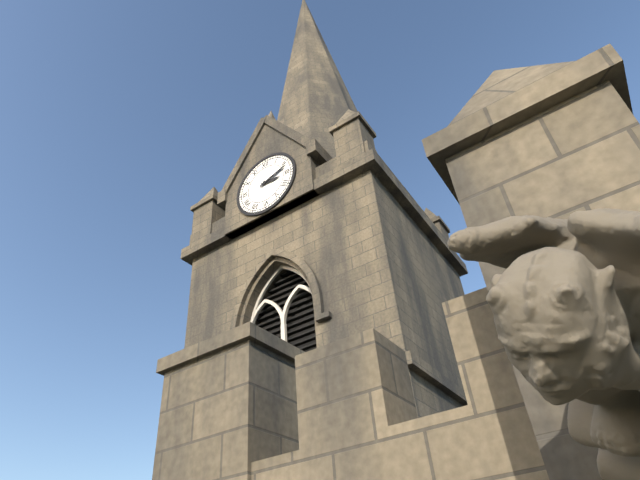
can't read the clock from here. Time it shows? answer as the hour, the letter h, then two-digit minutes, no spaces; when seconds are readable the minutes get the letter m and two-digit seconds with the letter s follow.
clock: 3h12
